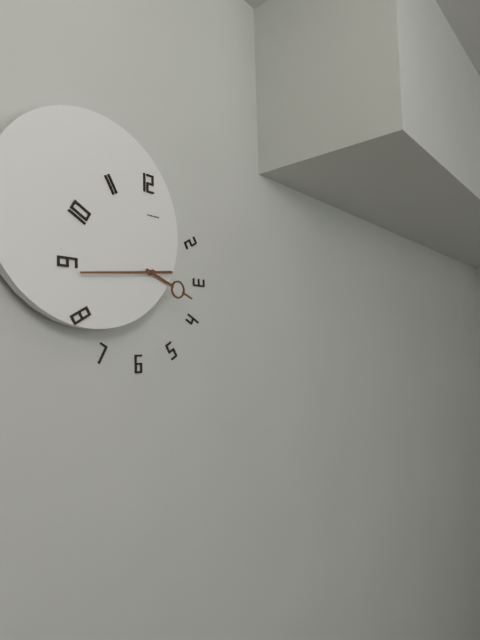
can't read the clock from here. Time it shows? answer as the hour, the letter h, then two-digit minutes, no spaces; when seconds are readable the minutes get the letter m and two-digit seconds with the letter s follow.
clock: 3h44
